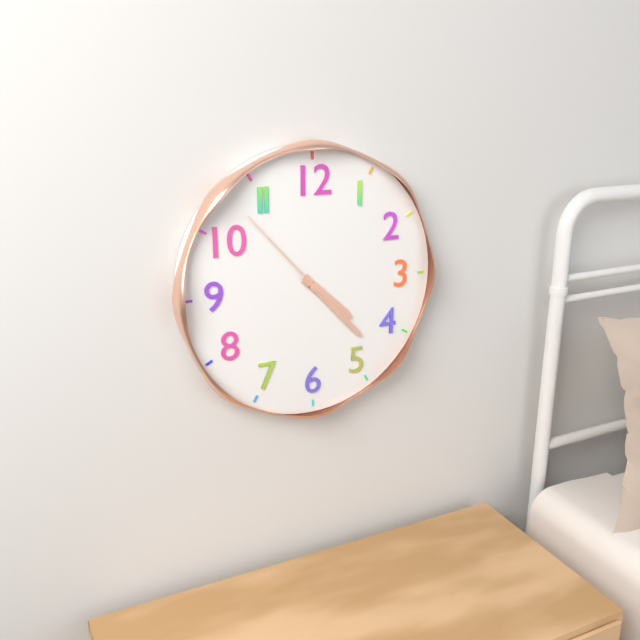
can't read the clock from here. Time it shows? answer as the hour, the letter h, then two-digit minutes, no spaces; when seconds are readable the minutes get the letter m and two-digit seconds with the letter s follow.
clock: 4h23m53s
